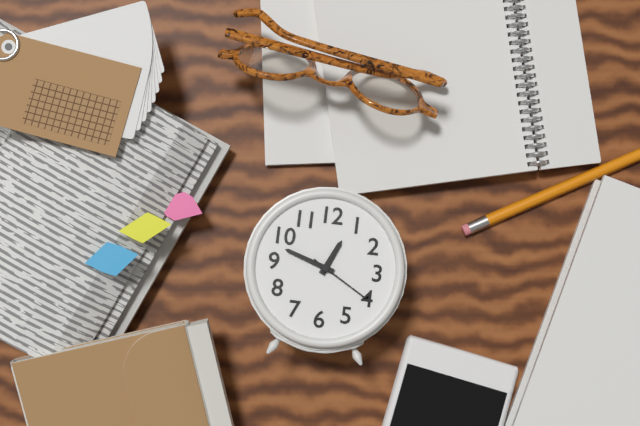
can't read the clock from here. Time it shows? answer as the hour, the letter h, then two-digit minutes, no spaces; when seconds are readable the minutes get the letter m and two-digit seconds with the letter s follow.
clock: 12h48m20s
